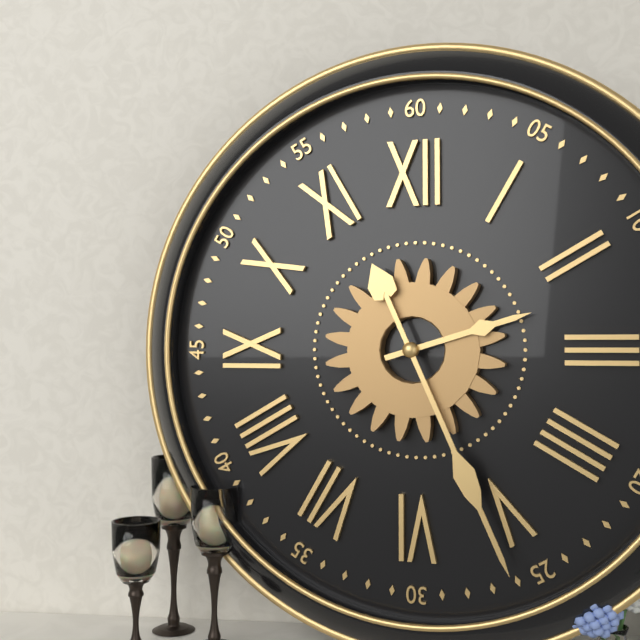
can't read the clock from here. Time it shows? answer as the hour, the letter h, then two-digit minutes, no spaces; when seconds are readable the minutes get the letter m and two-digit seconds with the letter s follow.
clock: 2h26
